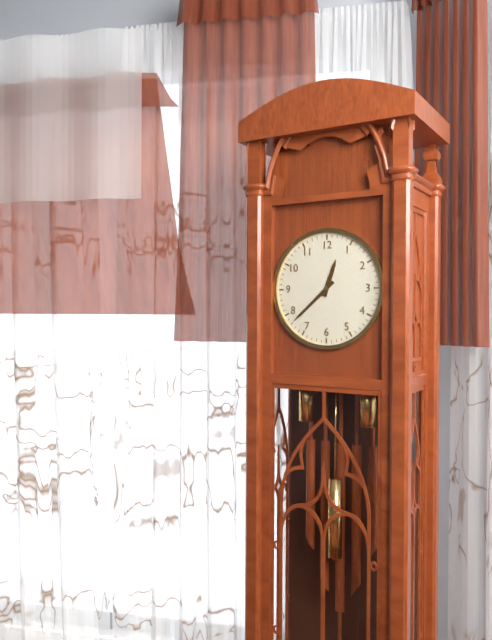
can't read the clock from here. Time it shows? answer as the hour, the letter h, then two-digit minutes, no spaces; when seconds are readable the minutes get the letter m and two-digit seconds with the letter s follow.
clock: 12h38
